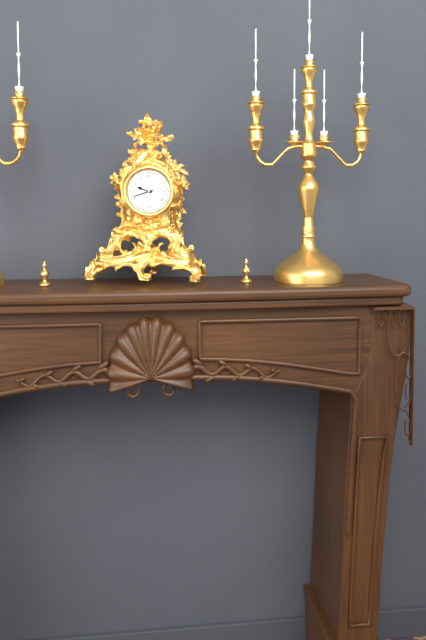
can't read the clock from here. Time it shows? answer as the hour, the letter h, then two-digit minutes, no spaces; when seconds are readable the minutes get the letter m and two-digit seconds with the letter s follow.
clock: 9h42
